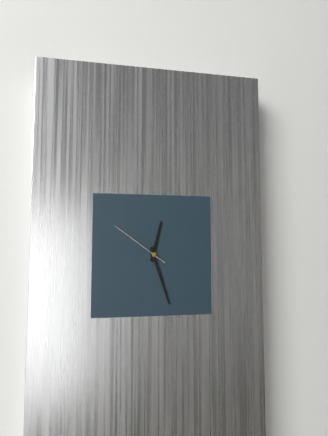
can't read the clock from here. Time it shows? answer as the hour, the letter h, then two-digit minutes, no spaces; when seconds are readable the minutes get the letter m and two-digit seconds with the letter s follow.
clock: 12h27m51s
